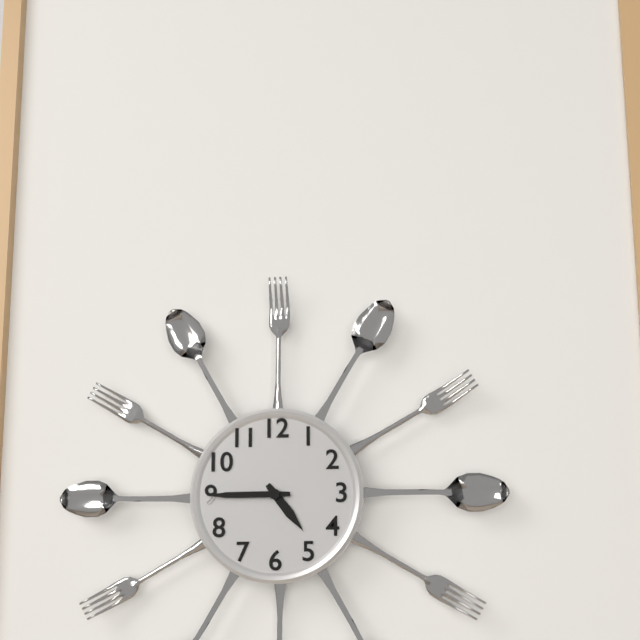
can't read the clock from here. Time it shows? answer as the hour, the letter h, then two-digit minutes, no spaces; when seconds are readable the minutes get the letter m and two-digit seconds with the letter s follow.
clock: 4h45
